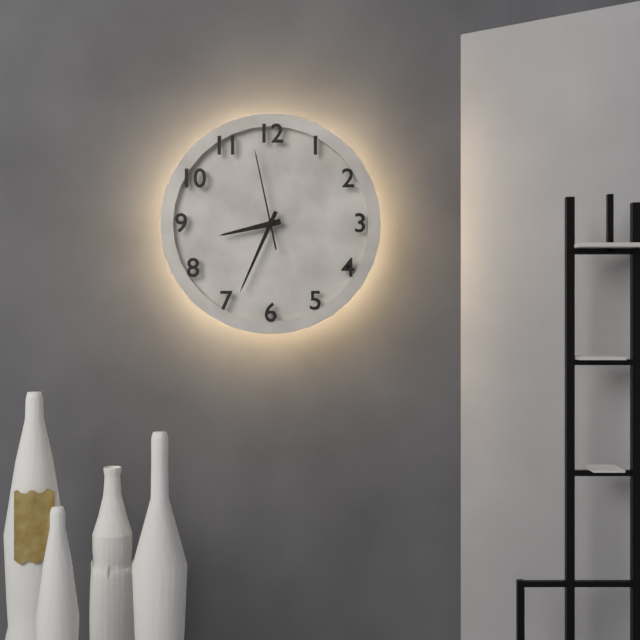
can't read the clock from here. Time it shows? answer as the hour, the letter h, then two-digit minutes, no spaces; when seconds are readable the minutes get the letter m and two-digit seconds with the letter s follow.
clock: 8h34m58s
